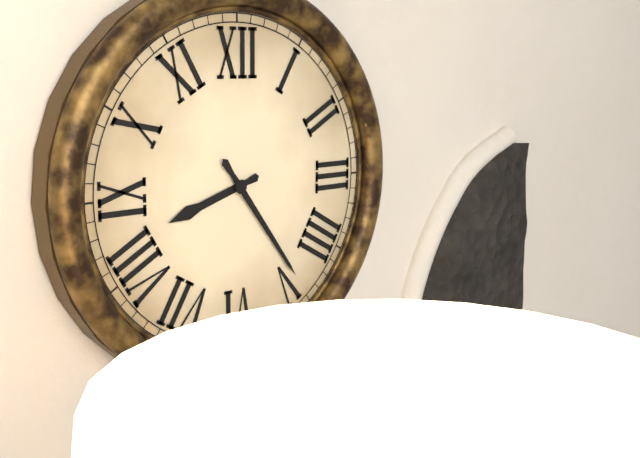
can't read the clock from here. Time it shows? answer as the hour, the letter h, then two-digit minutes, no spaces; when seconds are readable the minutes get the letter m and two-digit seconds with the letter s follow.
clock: 8h24
